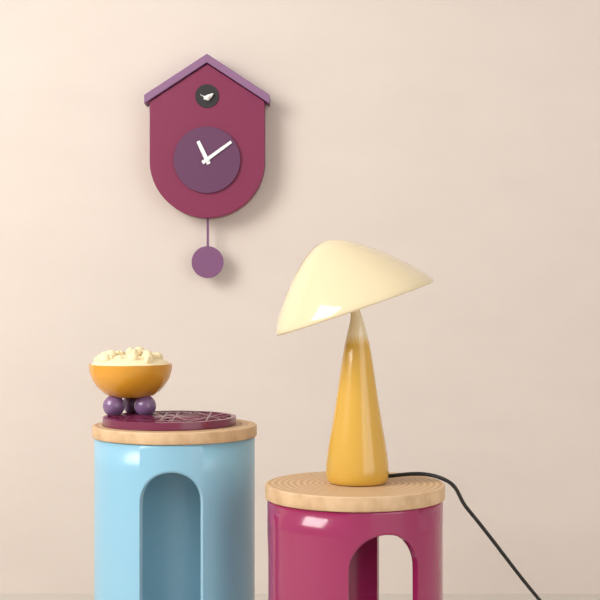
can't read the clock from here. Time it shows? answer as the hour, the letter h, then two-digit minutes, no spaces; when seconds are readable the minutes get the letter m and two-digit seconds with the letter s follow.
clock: 11h09
